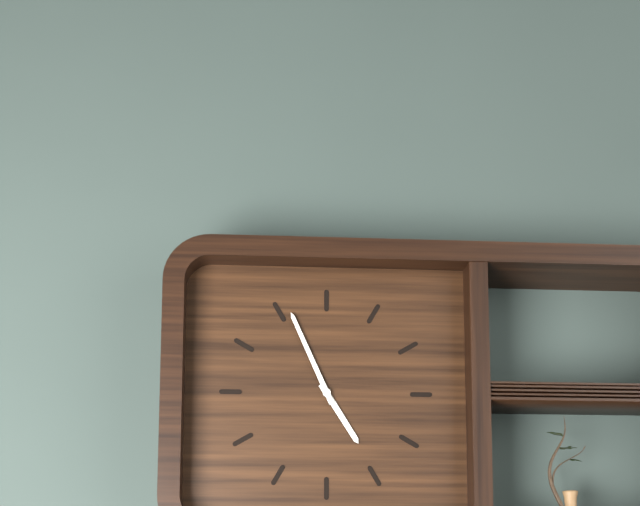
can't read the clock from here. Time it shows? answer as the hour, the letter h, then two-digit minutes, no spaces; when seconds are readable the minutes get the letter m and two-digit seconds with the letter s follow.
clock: 4h56
